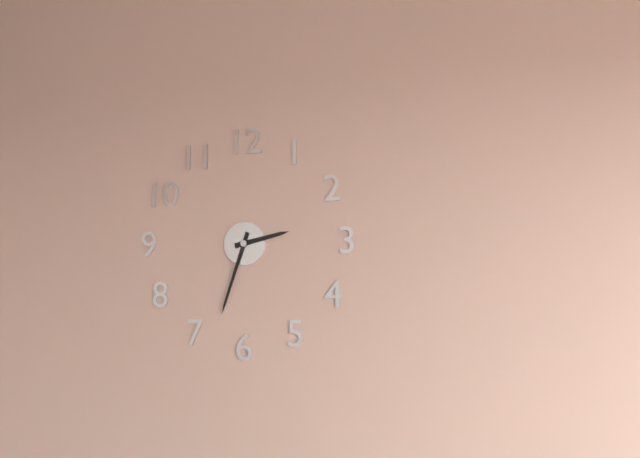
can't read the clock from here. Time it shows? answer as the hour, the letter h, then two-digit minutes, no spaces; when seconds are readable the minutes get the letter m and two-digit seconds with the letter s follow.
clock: 2h33
